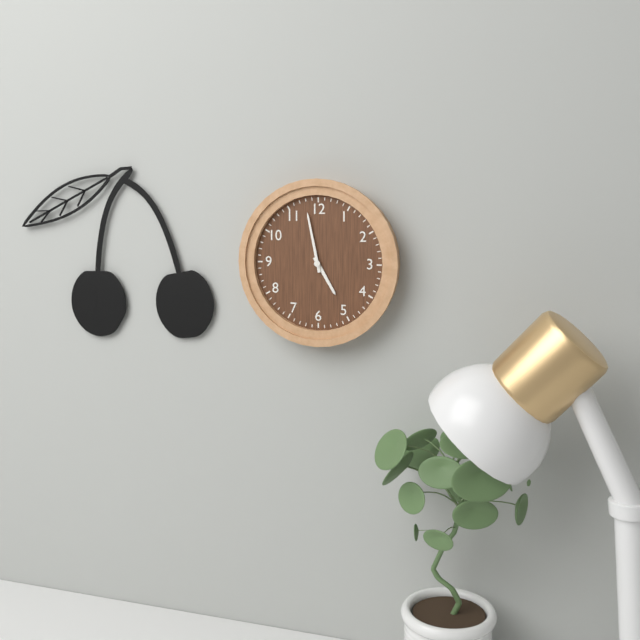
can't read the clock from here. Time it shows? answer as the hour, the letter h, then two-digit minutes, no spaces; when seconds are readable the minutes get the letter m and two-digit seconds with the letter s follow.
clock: 4h58
